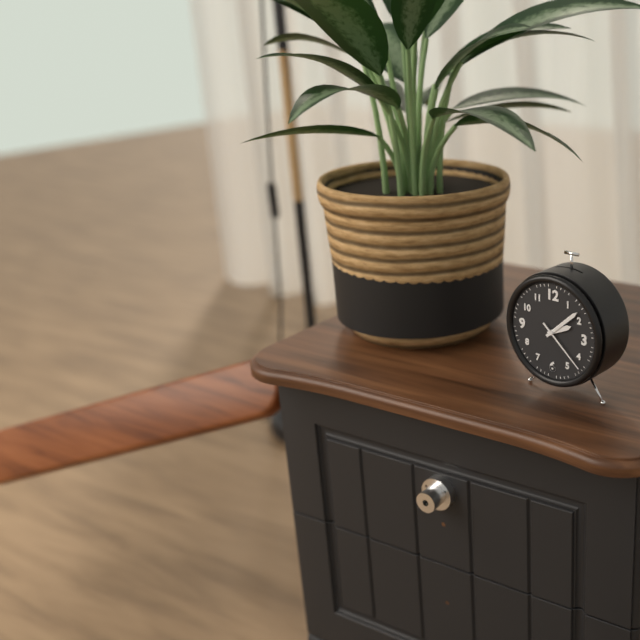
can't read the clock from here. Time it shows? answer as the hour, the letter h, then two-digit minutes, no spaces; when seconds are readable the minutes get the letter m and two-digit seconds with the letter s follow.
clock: 2h08m22s
